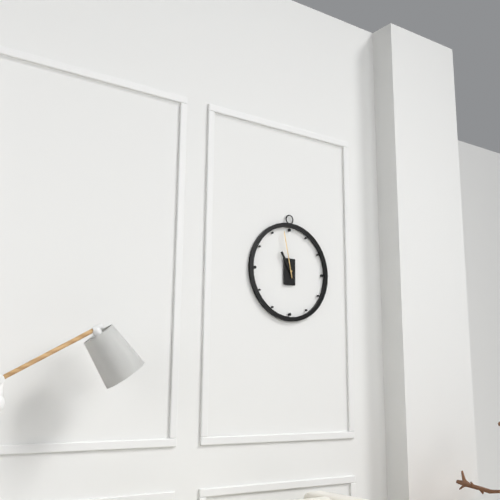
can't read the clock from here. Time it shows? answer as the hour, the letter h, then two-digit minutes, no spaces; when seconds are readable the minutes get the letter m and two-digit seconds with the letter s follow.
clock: 10h58
